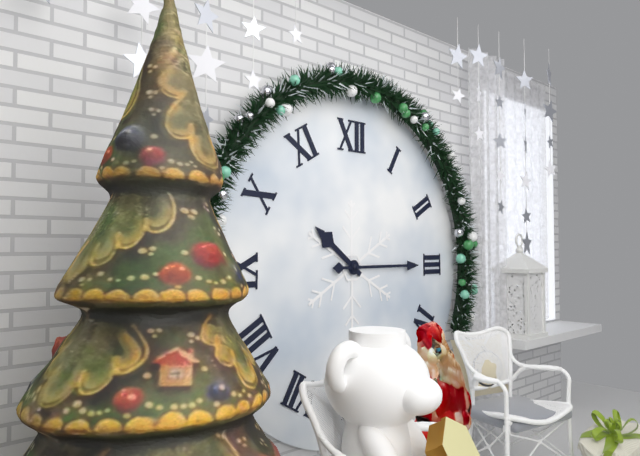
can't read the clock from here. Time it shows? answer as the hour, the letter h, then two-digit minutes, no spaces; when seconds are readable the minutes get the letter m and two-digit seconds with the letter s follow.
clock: 10h15
